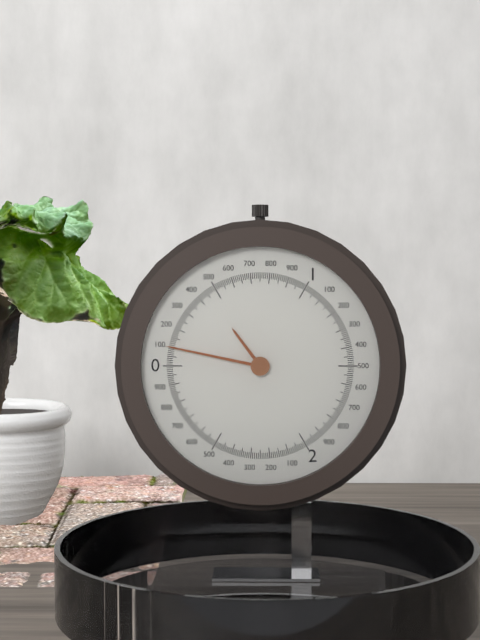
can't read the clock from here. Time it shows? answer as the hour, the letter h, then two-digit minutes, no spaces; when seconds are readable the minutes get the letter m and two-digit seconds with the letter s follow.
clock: 10h47
